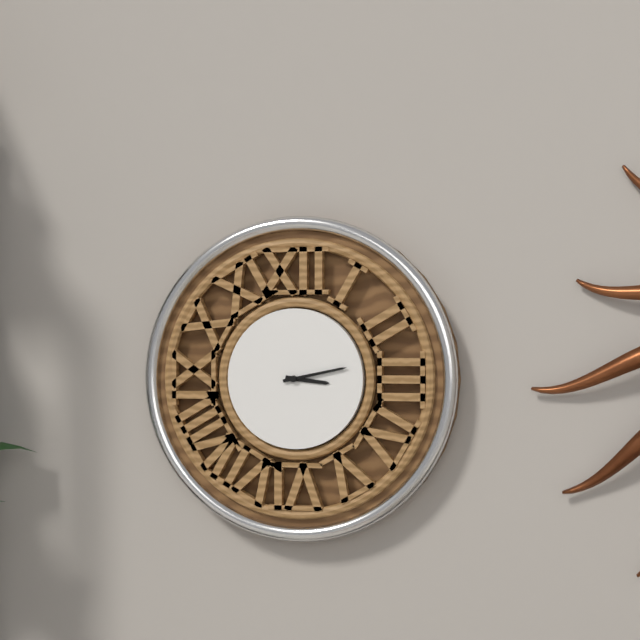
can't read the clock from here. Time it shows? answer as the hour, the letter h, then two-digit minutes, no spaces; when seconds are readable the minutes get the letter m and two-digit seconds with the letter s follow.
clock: 3h13
